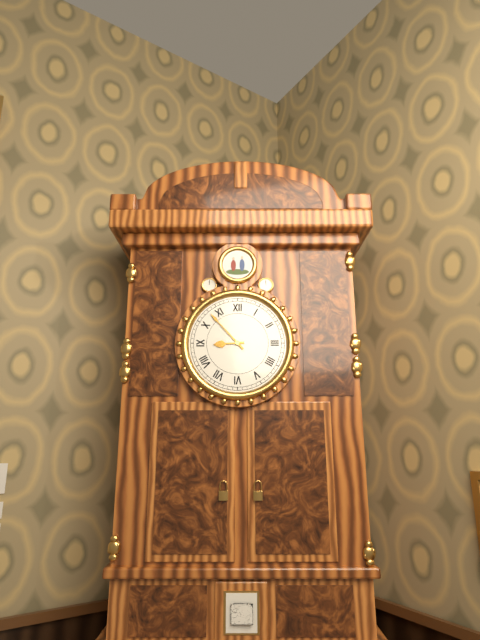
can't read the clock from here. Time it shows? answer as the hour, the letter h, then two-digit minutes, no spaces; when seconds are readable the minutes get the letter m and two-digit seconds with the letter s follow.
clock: 8h53
